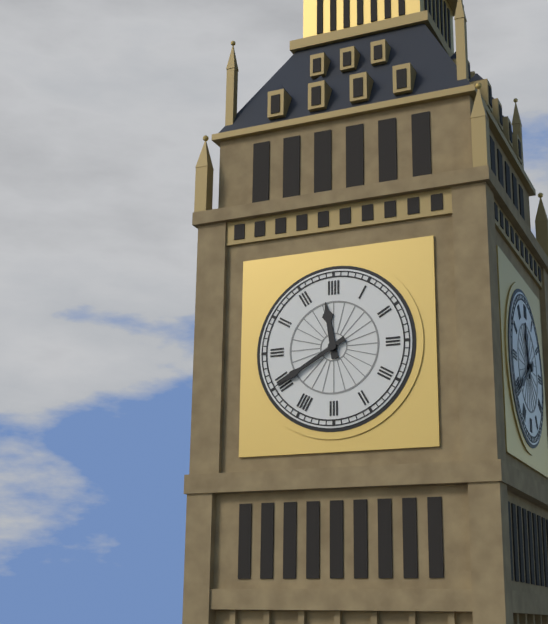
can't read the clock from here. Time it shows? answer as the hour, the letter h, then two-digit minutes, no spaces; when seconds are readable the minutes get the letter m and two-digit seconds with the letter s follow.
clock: 11h40
